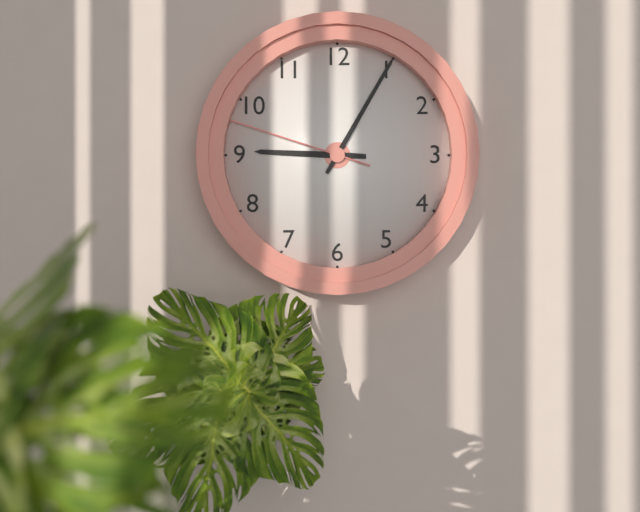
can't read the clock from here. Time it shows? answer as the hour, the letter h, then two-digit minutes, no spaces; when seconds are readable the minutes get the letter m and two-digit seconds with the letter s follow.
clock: 9h05m48s
